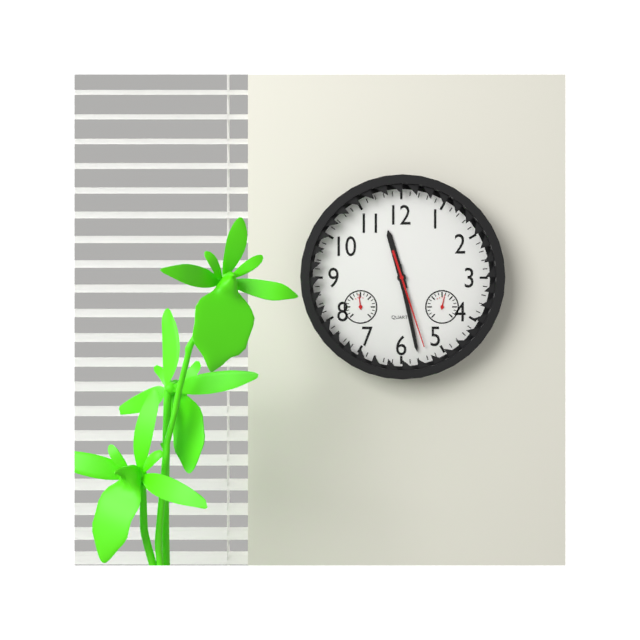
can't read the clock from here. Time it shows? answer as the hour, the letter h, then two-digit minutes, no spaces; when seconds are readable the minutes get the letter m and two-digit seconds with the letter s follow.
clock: 11h28m27s
